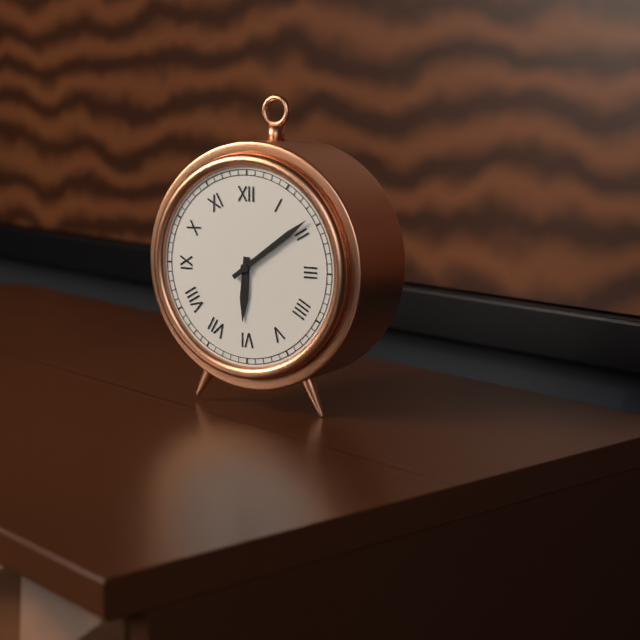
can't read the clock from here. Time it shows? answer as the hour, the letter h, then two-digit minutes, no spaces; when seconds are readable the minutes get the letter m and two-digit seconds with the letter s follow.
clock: 6h09
